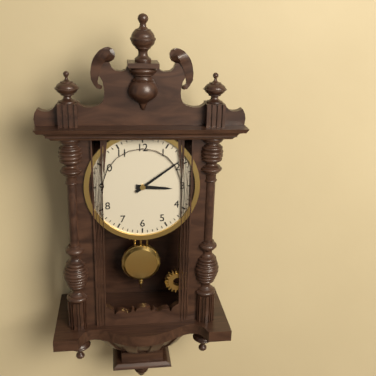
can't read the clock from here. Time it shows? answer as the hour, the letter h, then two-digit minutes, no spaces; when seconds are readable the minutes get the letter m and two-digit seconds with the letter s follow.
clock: 3h09
